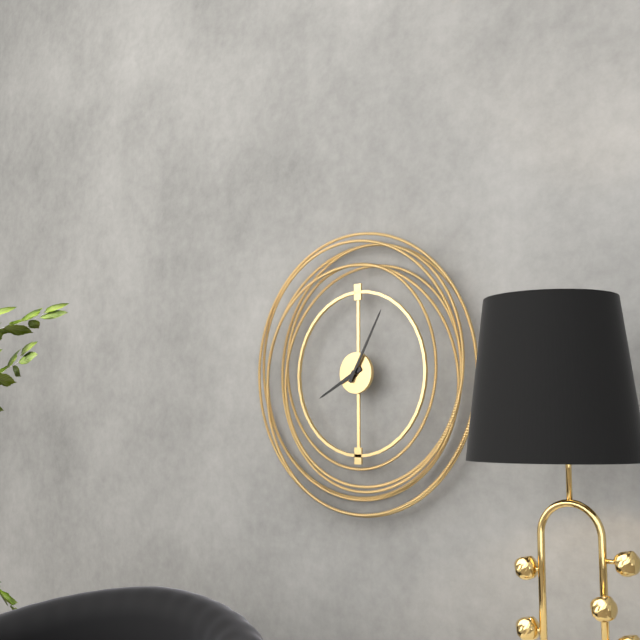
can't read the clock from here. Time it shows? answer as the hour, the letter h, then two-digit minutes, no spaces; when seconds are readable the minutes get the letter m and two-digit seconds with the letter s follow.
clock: 8h05
